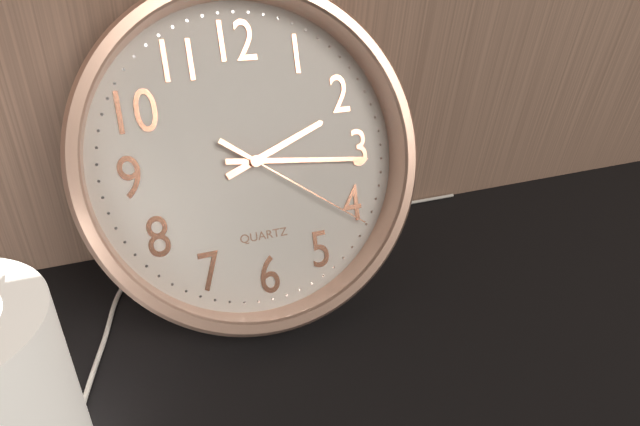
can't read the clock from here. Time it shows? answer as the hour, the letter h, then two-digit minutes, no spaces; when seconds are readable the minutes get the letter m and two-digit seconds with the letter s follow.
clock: 2h16m21s
